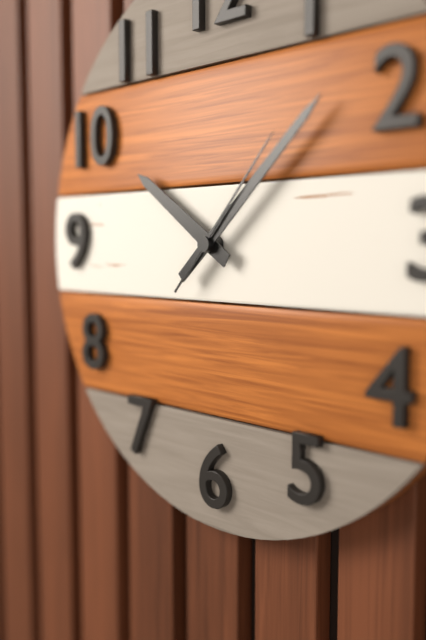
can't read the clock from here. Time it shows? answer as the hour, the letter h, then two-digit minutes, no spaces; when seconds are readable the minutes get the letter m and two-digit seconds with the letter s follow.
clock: 10h08m07s
